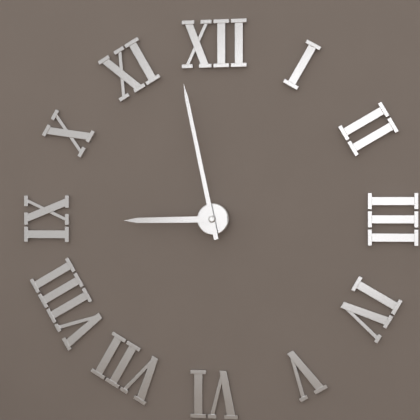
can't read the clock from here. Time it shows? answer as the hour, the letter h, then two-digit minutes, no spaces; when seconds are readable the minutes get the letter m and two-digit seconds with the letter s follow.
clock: 8h58
